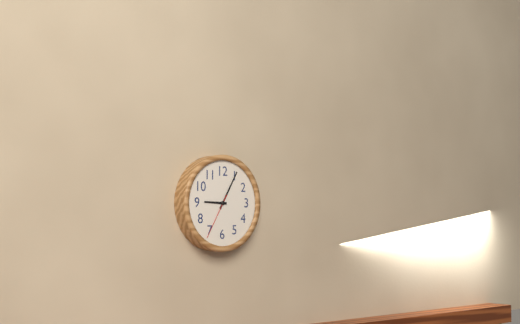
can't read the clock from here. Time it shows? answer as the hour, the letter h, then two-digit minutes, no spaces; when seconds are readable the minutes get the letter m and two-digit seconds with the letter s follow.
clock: 9h05
